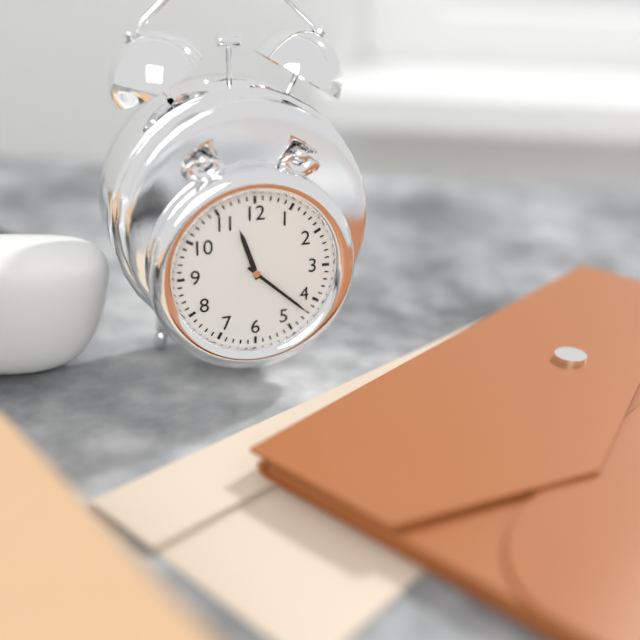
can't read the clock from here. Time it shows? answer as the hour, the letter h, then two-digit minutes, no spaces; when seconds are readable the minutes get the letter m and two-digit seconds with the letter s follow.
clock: 11h22
